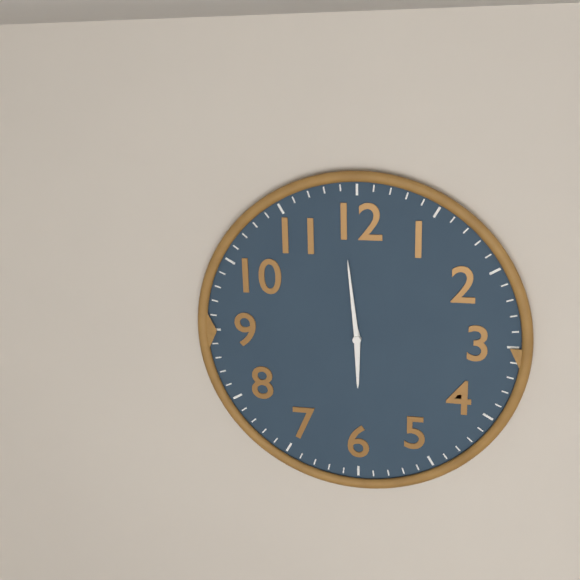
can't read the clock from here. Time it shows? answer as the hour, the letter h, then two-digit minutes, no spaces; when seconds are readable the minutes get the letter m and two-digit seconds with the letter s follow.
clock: 5h59
